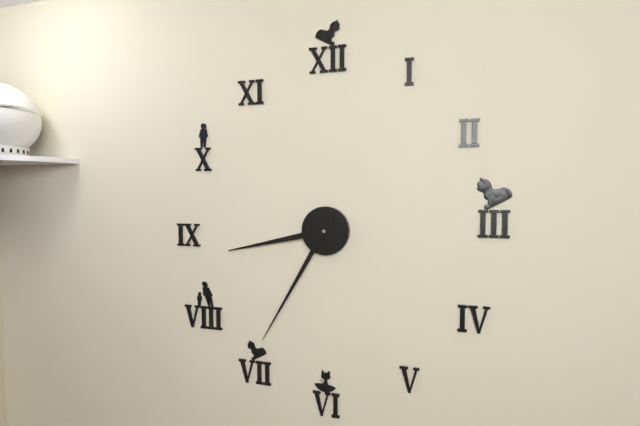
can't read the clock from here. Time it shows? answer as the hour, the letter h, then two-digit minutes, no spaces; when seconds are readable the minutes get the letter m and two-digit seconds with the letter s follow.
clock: 8h35
